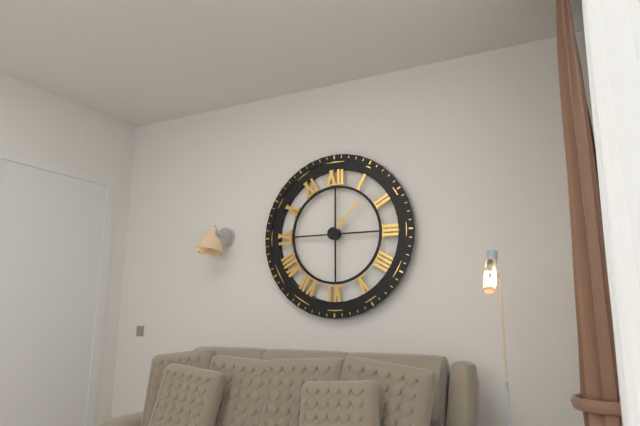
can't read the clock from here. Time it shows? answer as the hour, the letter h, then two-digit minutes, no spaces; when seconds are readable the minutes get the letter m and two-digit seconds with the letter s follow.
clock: 1h07
